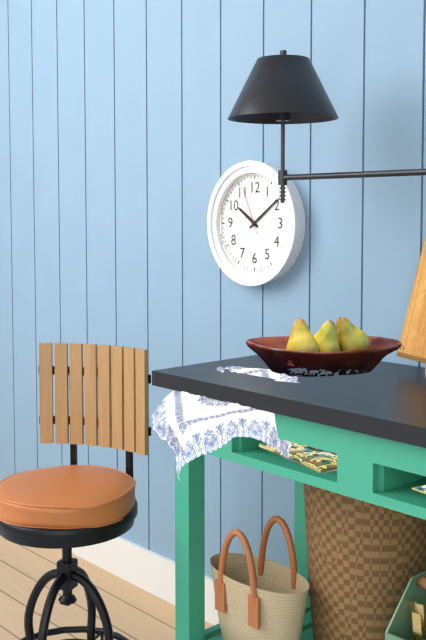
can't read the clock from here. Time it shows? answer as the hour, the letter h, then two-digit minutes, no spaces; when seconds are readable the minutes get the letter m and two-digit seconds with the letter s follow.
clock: 10h09m56s
